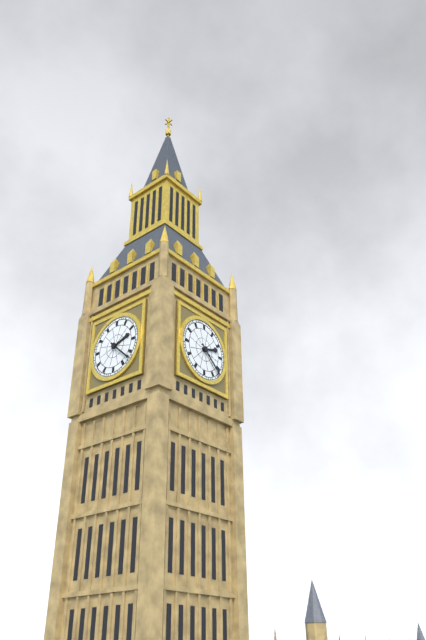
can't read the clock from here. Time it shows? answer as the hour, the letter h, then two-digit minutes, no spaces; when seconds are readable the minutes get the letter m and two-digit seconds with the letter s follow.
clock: 2h22
